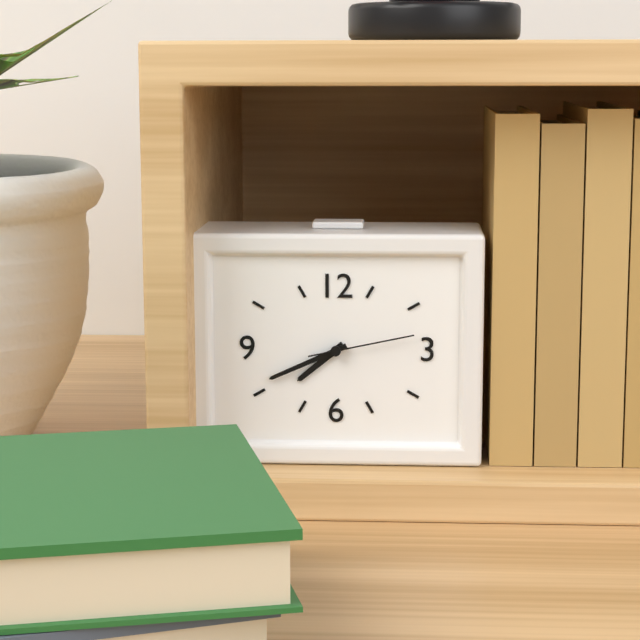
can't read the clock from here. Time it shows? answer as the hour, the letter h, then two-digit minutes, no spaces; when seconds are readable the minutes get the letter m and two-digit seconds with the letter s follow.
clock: 7h41m13s
